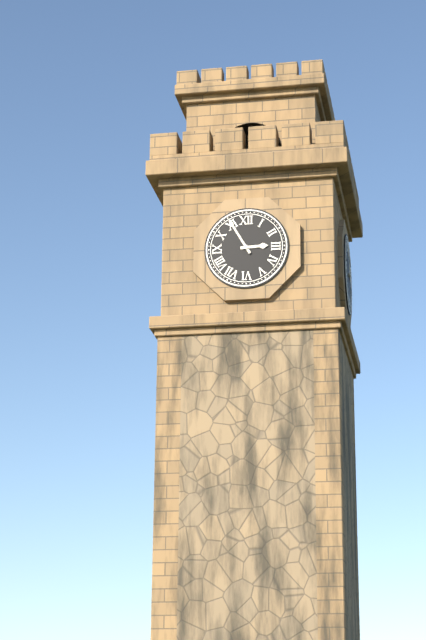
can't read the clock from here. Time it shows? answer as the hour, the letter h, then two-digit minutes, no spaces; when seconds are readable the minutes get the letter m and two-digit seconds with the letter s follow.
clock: 2h55
